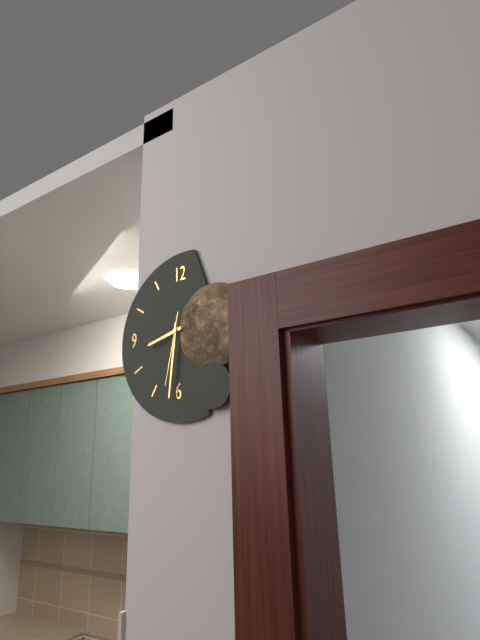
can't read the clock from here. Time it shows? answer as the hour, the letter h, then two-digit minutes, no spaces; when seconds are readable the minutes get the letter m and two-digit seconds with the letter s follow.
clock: 8h31m32s
